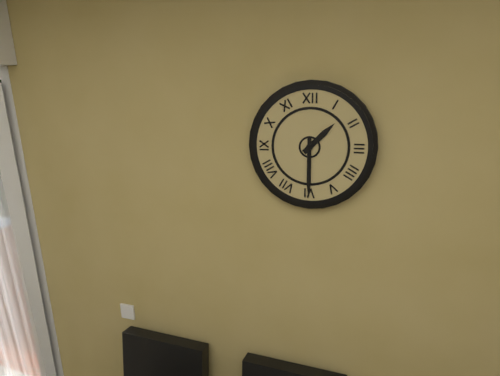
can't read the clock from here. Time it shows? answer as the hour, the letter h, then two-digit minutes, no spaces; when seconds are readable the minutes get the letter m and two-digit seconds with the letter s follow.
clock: 1h30
